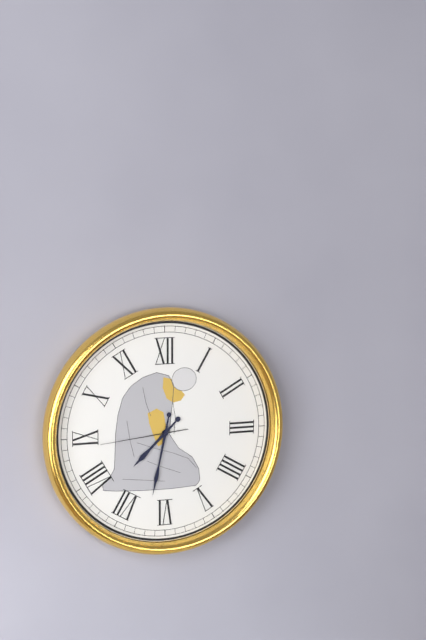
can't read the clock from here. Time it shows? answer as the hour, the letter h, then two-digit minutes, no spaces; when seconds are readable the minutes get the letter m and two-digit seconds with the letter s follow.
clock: 7h32m44s
